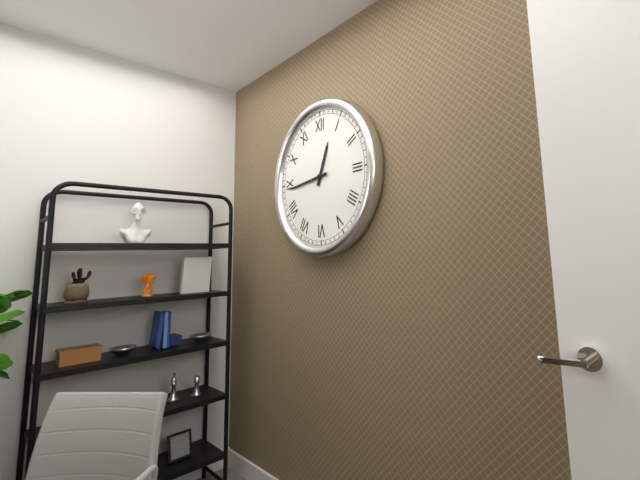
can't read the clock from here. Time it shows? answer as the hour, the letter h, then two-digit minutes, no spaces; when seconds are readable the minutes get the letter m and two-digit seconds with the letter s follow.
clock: 12h44
